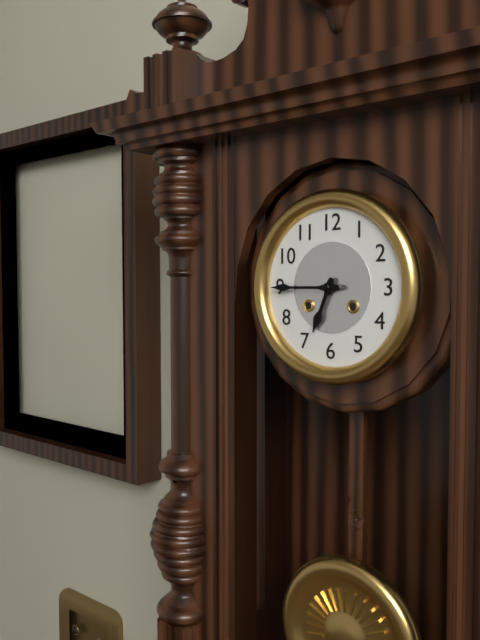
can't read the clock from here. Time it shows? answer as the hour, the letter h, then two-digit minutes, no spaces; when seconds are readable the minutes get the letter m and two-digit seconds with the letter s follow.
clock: 6h45
